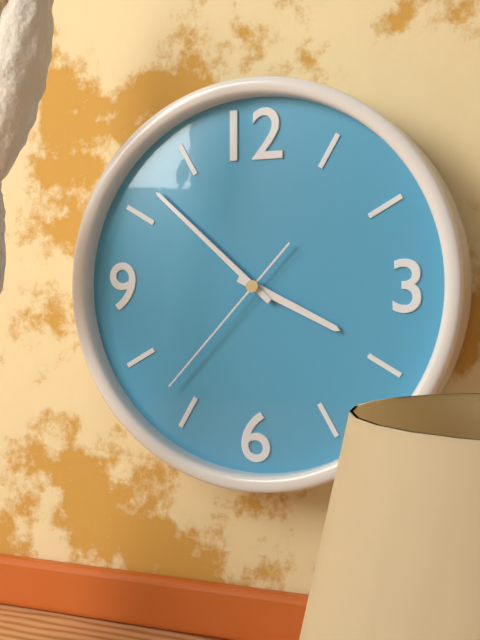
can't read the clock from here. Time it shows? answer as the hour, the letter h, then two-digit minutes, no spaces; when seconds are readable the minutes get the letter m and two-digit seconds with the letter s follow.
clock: 3h52m37s
